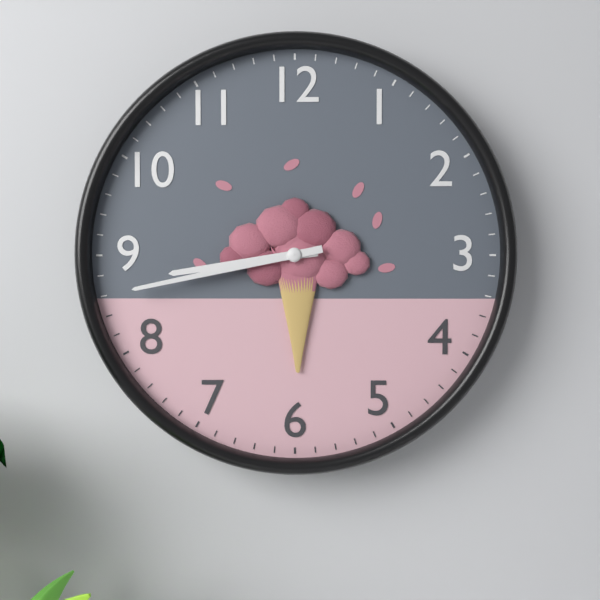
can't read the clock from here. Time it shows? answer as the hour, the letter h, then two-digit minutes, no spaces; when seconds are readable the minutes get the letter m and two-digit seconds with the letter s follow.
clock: 8h43
